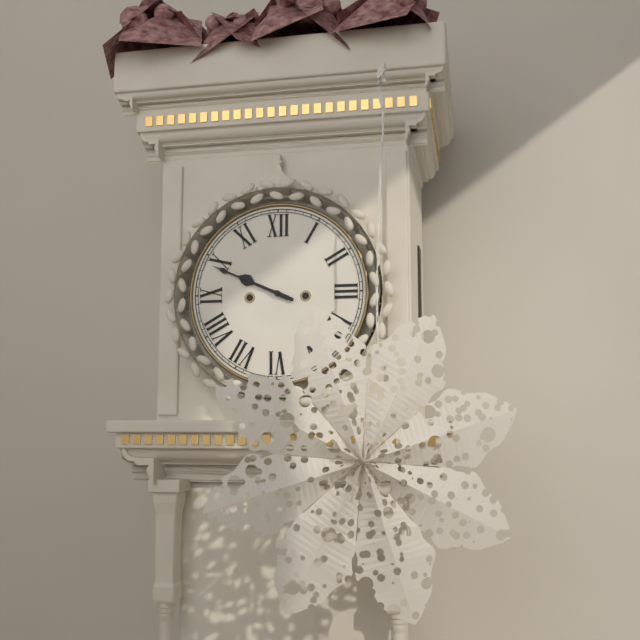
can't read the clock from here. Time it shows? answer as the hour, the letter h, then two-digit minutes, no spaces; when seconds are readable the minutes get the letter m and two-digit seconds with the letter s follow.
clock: 9h49
